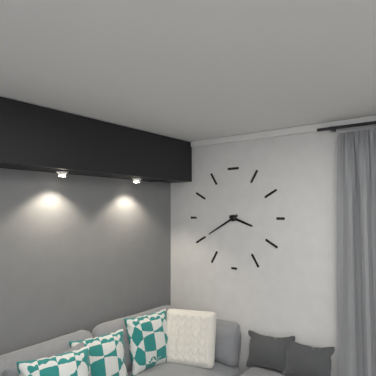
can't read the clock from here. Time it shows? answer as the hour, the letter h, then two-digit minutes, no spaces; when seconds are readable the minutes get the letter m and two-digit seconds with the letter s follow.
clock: 3h40
